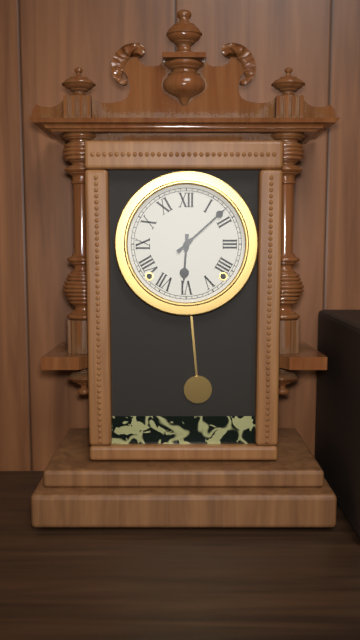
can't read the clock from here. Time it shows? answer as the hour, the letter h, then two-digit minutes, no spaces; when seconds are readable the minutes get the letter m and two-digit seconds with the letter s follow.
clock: 6h08
